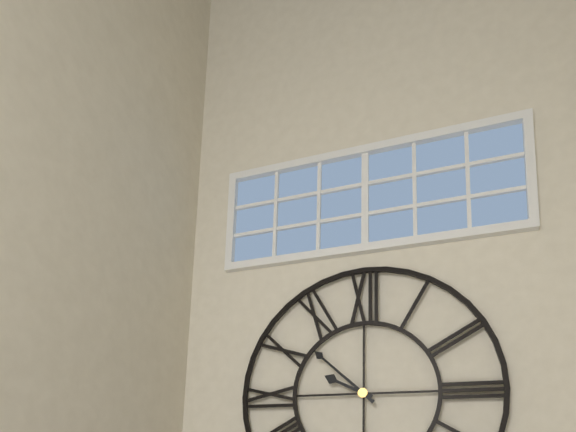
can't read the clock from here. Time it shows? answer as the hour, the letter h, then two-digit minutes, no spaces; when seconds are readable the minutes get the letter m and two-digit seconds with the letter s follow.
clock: 9h52
